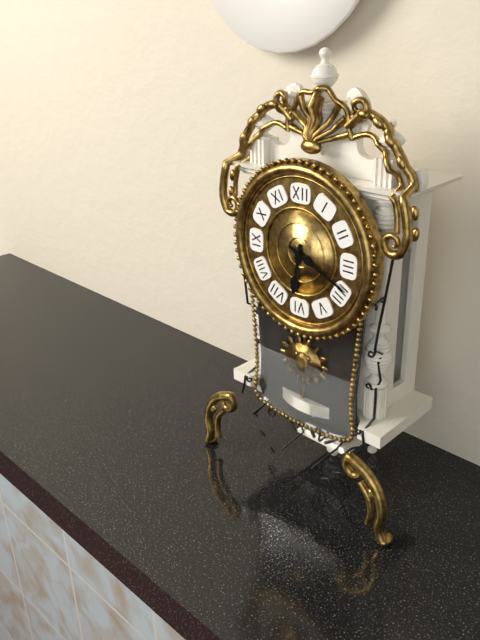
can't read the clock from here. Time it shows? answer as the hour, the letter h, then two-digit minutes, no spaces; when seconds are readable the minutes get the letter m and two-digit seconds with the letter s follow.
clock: 6h19
